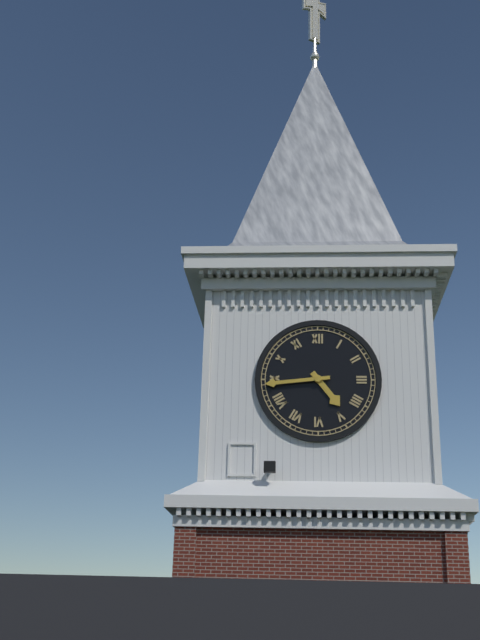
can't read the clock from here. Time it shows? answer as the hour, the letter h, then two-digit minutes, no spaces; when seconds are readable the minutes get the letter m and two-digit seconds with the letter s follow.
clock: 4h44
